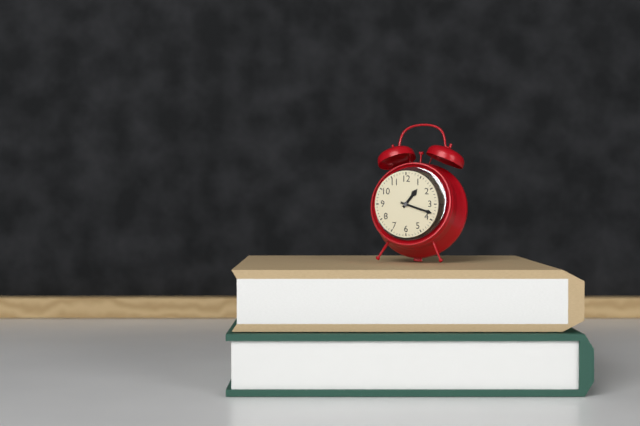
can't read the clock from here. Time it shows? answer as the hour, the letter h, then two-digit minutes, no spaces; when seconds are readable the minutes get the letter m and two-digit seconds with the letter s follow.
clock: 1h18
